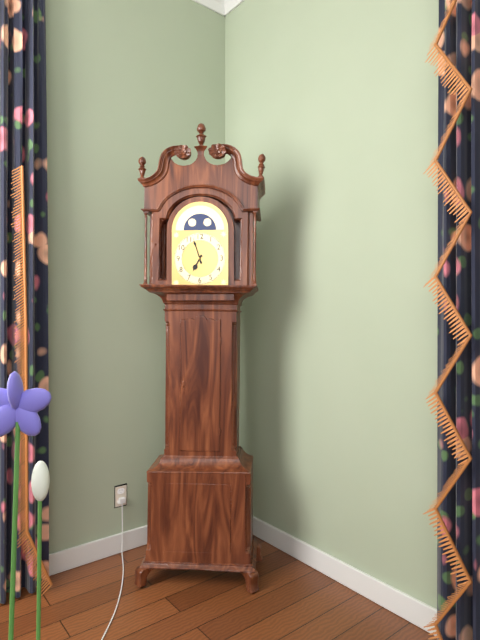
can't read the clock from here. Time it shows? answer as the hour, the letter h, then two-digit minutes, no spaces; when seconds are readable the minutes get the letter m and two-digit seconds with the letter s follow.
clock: 6h57
